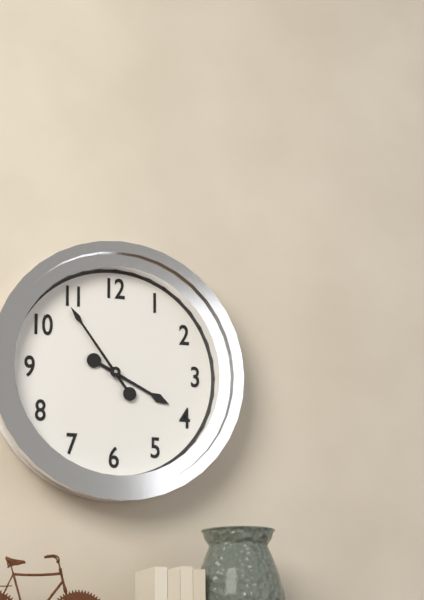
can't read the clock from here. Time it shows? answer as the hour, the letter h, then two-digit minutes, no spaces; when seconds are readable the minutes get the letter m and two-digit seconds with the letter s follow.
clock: 3h54
